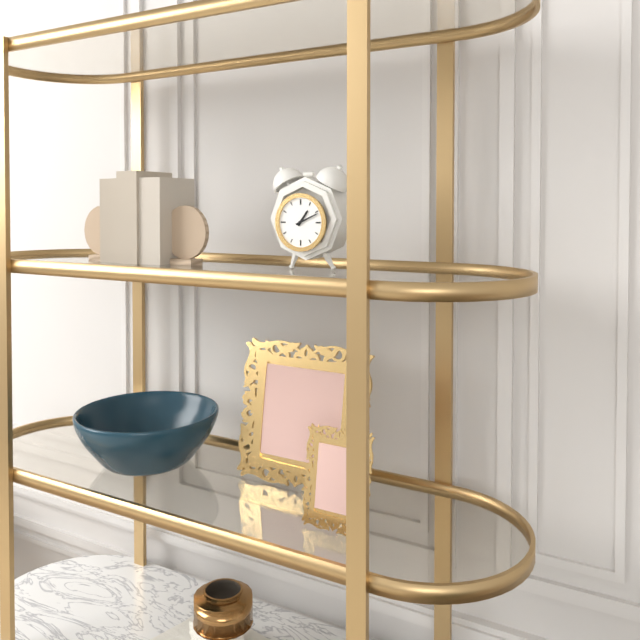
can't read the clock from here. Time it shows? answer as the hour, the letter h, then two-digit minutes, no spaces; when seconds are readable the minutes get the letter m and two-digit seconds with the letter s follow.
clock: 1h11
